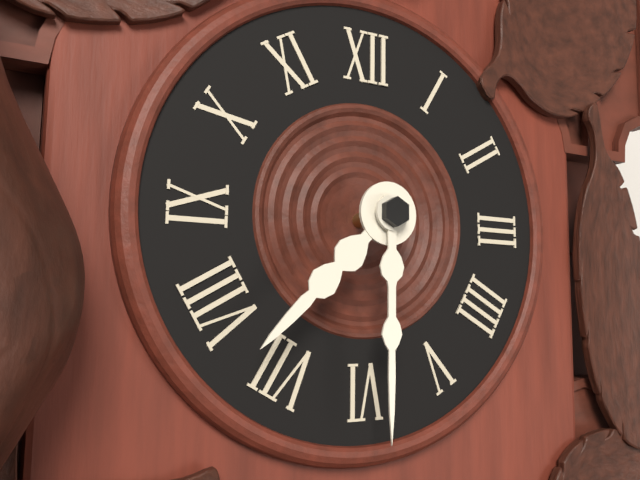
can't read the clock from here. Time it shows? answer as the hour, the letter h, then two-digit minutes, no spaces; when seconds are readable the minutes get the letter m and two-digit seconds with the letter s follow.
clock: 7h30
